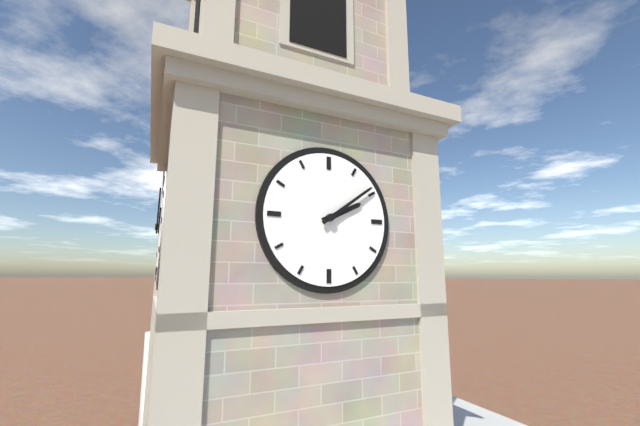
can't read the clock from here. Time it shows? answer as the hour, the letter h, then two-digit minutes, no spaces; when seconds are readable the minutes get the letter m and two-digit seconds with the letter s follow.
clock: 2h09
